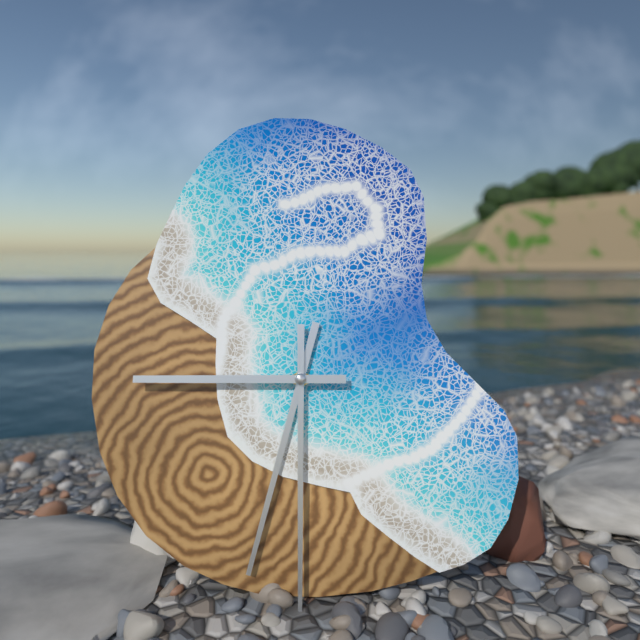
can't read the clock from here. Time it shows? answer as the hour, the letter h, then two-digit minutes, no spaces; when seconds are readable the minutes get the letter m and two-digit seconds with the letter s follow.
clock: 6h30m45s
